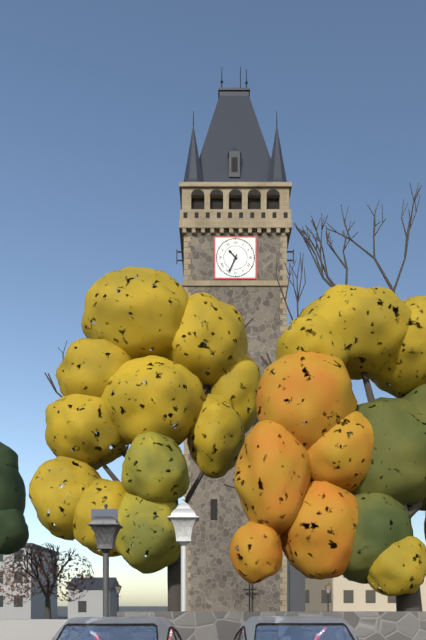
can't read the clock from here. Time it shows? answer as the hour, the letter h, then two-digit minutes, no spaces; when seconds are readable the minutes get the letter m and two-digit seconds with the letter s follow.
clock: 10h34
